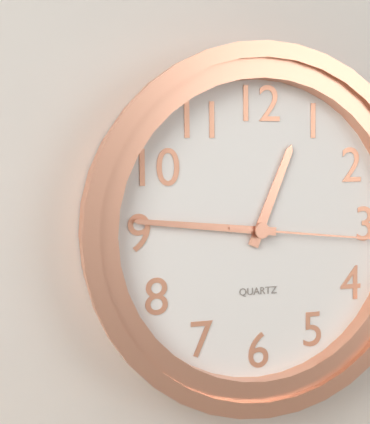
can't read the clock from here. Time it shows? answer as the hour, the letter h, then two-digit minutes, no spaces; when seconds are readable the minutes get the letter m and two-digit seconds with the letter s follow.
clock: 12h46
